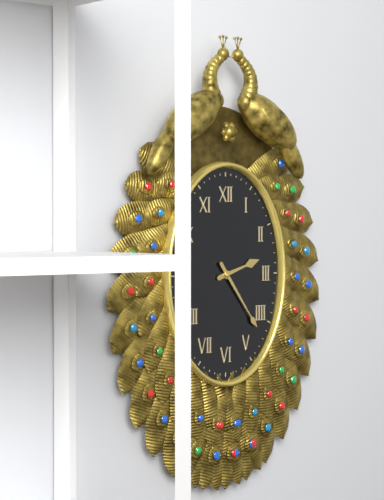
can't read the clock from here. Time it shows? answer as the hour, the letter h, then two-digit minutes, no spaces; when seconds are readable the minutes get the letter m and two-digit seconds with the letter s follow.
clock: 2h24
